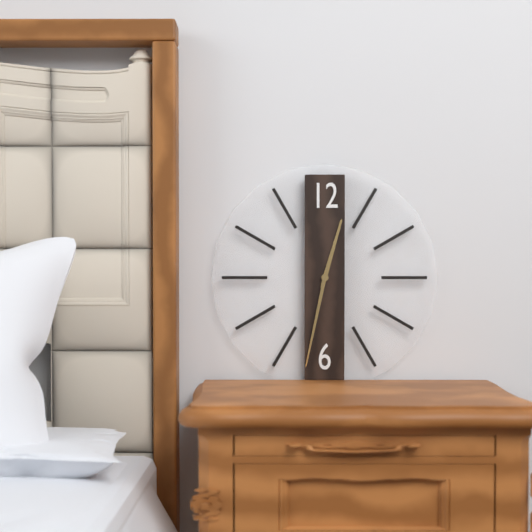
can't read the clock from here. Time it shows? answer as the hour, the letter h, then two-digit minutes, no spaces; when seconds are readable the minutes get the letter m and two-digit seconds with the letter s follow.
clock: 12h32
